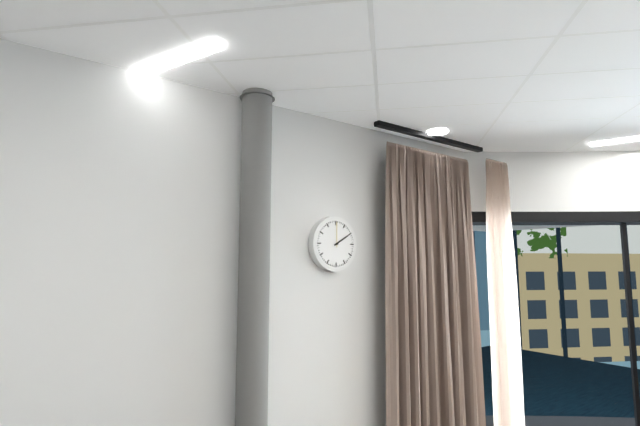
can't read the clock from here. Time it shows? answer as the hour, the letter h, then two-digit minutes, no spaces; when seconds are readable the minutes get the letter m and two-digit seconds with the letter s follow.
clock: 2h00
